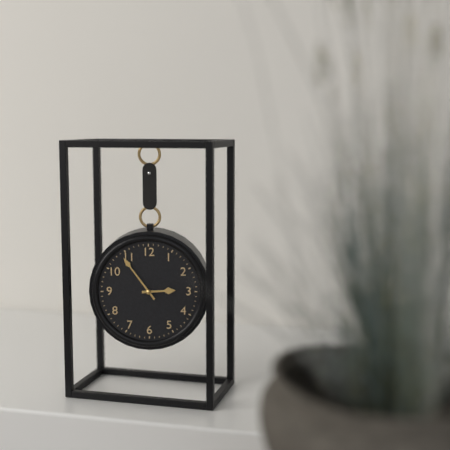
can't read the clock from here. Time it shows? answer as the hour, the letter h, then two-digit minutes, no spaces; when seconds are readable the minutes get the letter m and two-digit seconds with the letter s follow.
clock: 2h54
